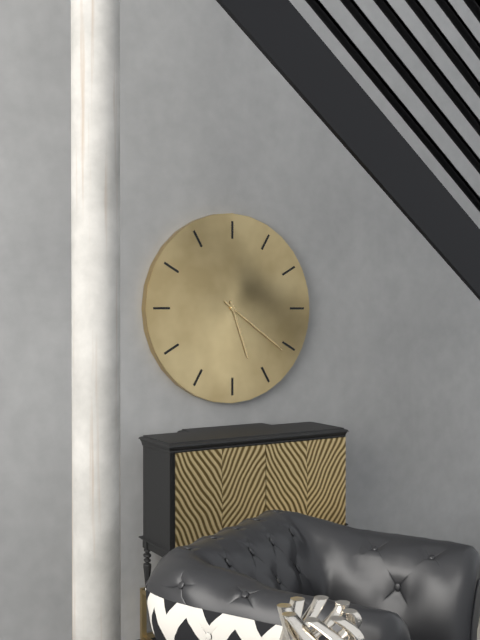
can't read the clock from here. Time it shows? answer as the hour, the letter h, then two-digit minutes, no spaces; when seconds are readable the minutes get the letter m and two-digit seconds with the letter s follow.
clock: 5h21
